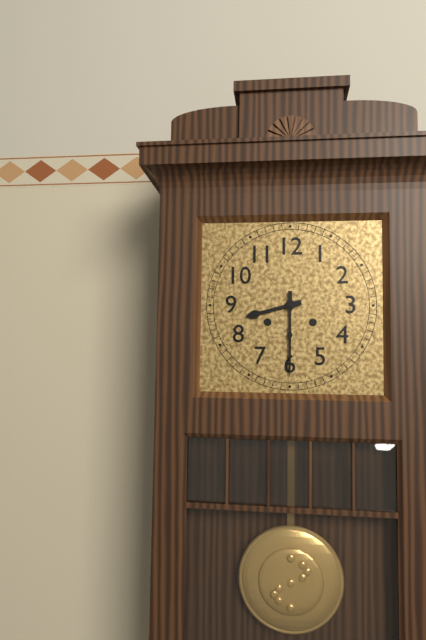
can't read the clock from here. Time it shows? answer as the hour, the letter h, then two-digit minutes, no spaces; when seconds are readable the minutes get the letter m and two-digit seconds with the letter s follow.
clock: 8h30
